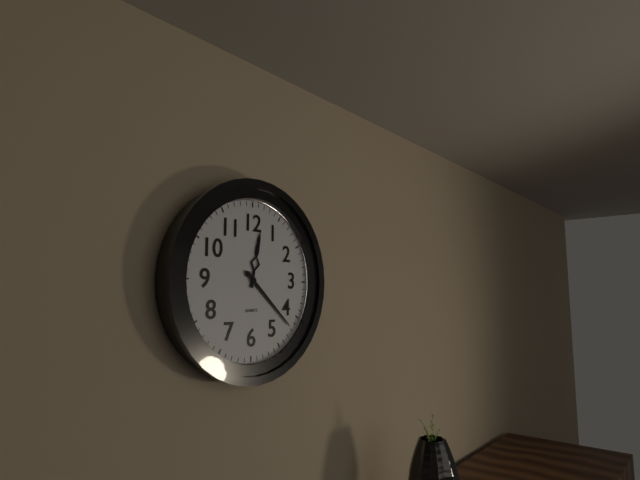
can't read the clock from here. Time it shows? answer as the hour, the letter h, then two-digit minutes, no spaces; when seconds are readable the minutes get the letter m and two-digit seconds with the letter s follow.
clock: 12h22
